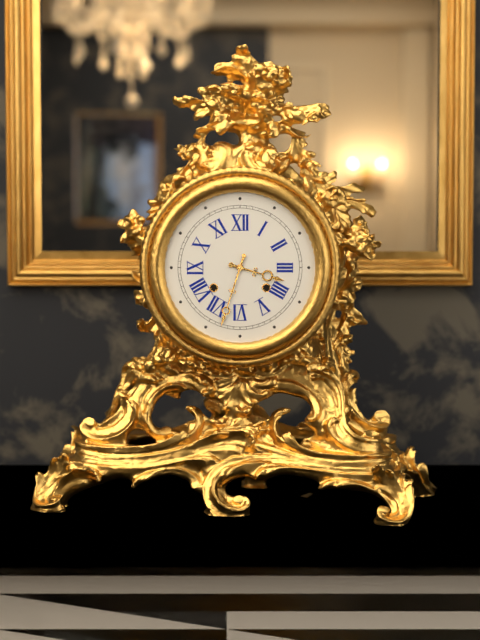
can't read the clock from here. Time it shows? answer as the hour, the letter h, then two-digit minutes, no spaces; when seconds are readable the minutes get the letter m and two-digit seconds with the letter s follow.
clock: 3h33
